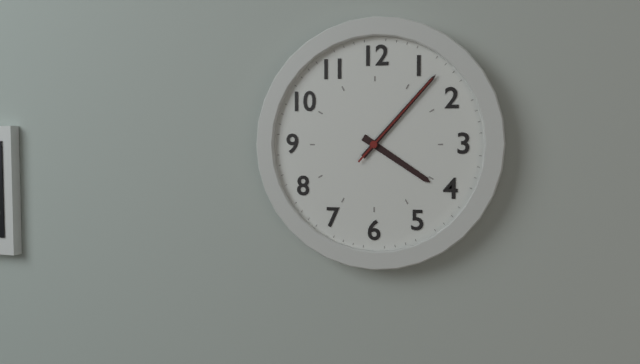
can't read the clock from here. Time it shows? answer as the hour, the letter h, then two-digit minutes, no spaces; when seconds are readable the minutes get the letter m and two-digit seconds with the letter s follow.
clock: 4h07m07s
